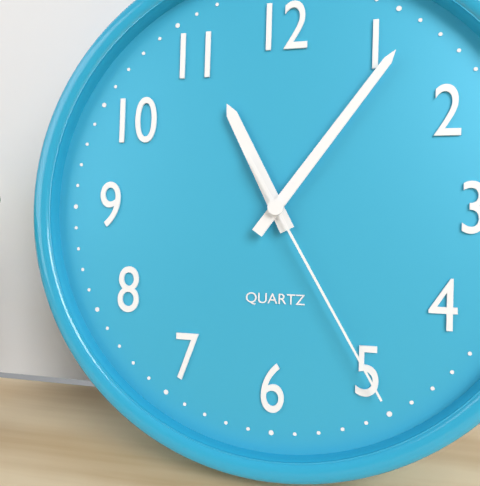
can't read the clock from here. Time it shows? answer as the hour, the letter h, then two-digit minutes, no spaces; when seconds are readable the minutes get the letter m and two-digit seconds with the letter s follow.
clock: 11h06m25s
